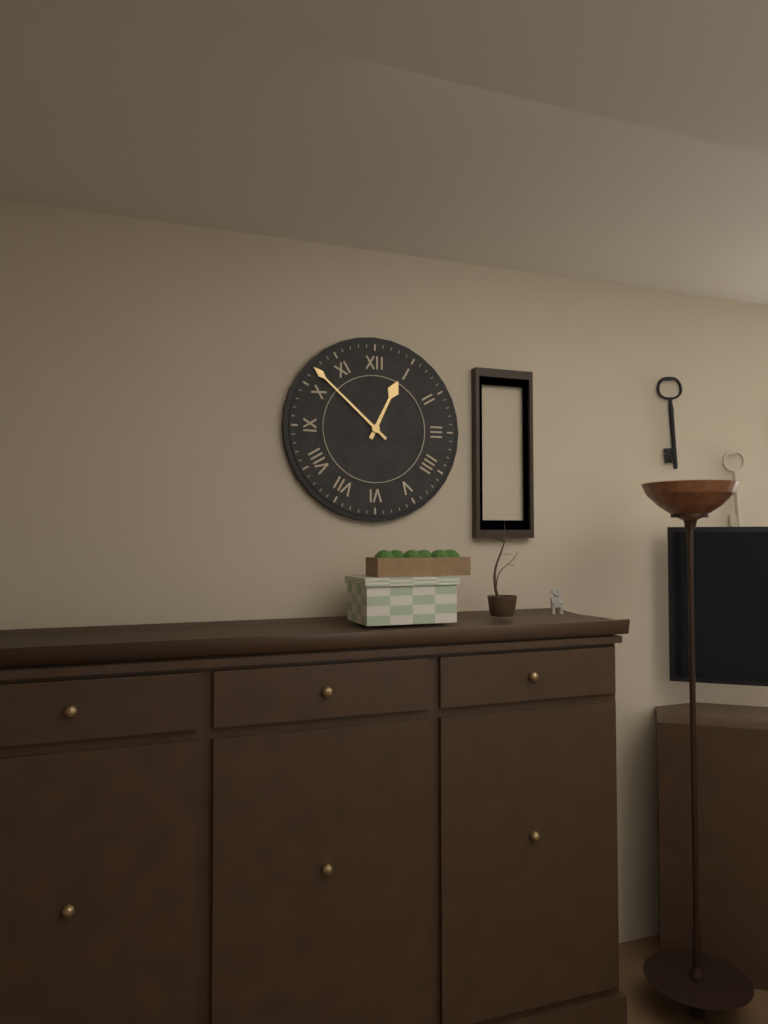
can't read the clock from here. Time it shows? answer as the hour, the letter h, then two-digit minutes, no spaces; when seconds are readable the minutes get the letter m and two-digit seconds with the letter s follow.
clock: 12h52
